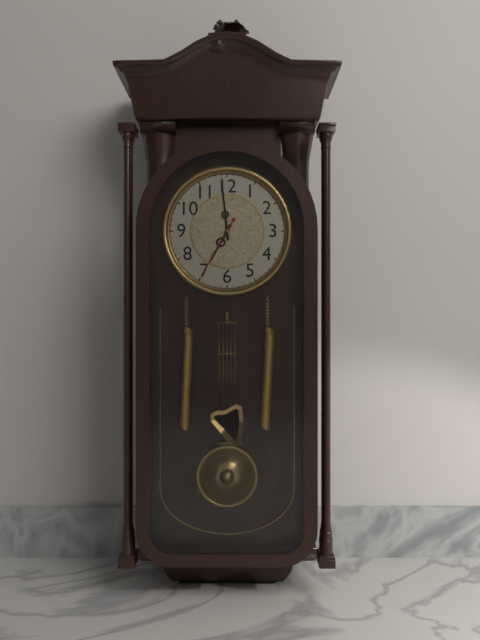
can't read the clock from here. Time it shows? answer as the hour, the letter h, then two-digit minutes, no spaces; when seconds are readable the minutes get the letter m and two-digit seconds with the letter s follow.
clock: 6h59m35s
